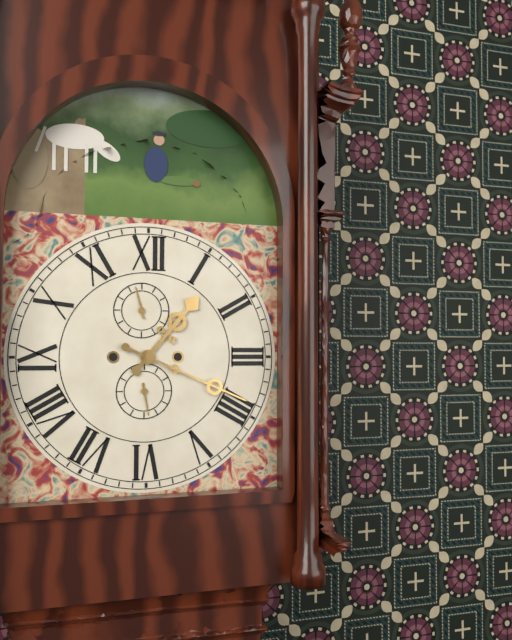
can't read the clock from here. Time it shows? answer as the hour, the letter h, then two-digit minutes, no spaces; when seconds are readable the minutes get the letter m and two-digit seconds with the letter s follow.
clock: 1h19
